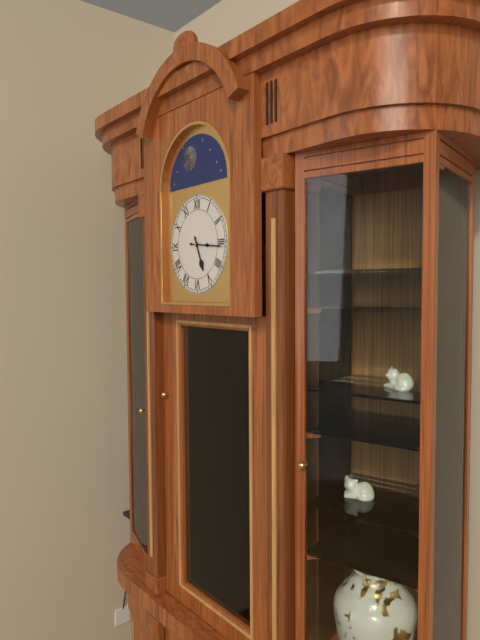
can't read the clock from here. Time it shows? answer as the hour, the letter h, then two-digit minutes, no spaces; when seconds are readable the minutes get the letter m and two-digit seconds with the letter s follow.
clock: 5h16
